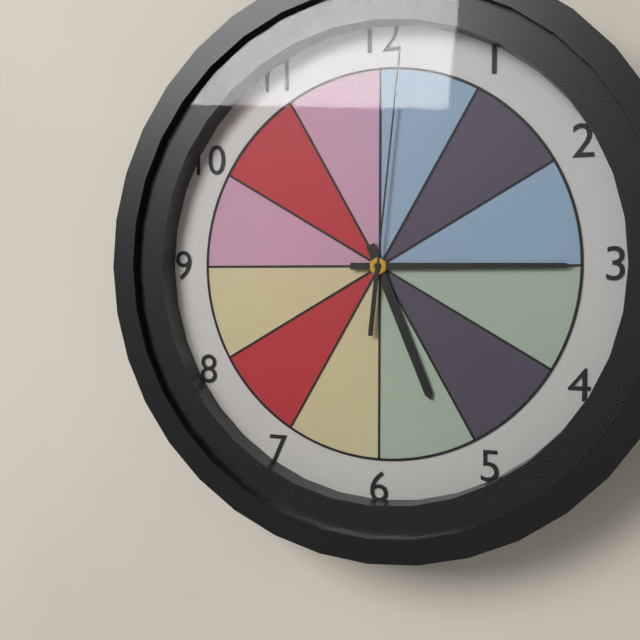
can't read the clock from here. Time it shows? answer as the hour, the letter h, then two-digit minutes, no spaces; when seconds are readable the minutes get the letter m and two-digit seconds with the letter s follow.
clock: 5h15m01s
